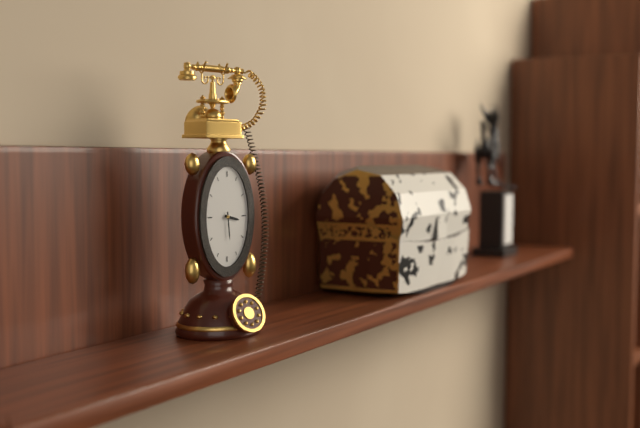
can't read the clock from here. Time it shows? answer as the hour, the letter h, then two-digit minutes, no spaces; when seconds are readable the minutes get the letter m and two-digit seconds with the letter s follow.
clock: 3h29
